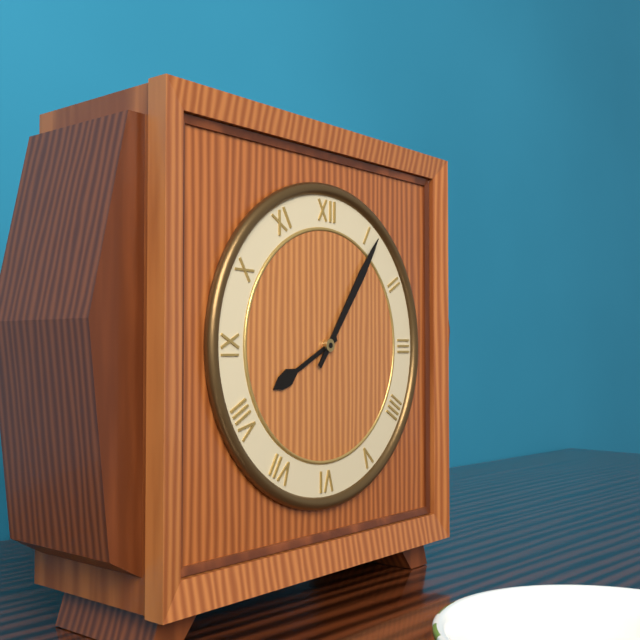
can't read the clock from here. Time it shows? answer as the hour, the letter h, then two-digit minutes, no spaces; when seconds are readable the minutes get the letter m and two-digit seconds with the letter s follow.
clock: 8h06
